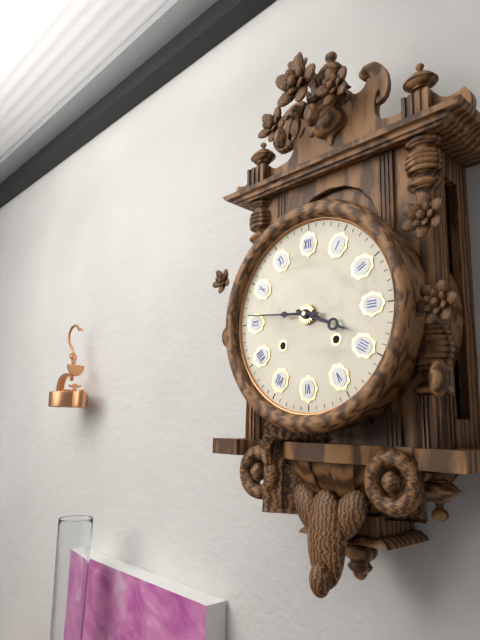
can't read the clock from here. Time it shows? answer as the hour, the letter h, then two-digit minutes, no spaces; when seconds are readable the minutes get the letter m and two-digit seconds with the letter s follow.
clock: 3h46
